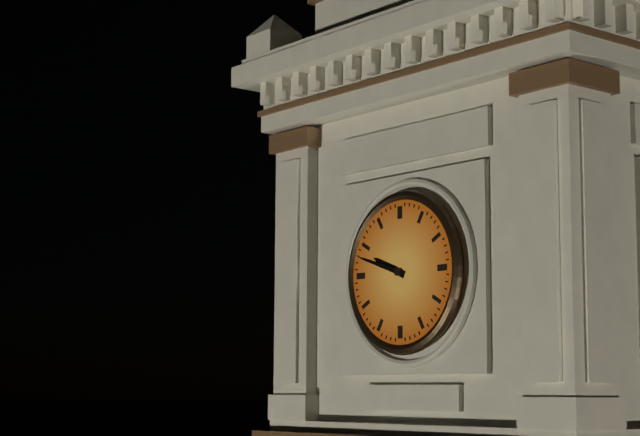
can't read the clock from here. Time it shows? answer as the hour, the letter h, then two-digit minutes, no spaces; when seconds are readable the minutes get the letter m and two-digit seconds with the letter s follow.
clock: 9h48
